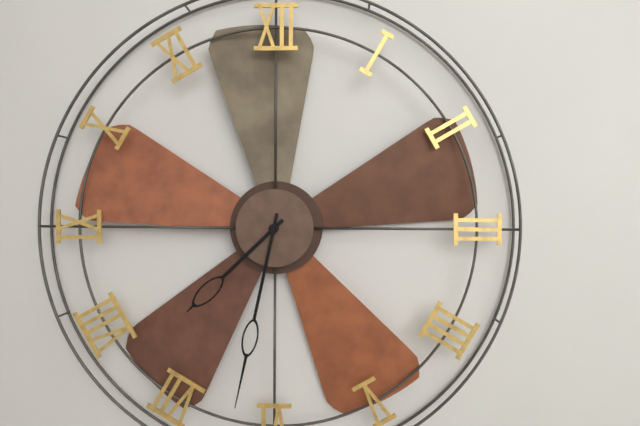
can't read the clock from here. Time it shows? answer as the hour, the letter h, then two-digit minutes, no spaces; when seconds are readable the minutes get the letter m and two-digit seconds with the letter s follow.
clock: 7h32
